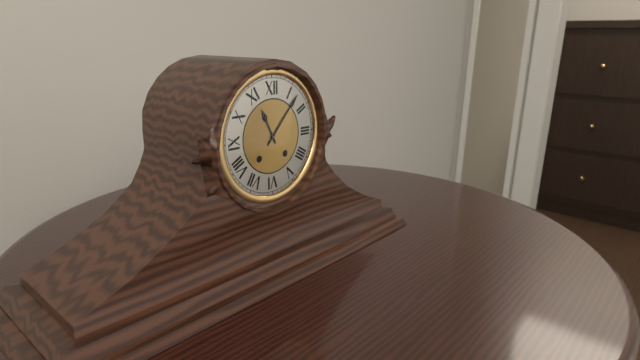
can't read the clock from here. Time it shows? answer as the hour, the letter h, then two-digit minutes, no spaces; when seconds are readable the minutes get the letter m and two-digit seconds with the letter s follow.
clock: 11h07
